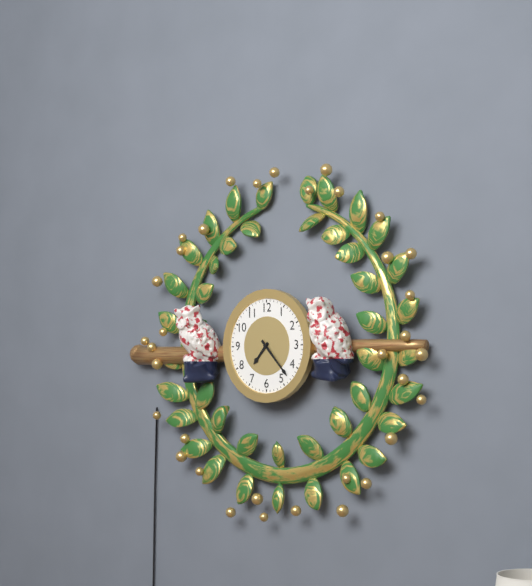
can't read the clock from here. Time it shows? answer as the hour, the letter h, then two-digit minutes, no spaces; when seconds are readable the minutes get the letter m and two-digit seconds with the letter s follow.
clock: 7h23
